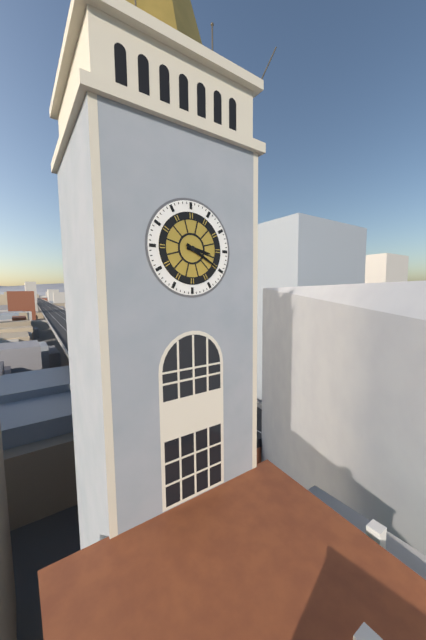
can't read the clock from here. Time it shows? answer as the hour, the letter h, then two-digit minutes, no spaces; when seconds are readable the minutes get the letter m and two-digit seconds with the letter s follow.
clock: 3h20
